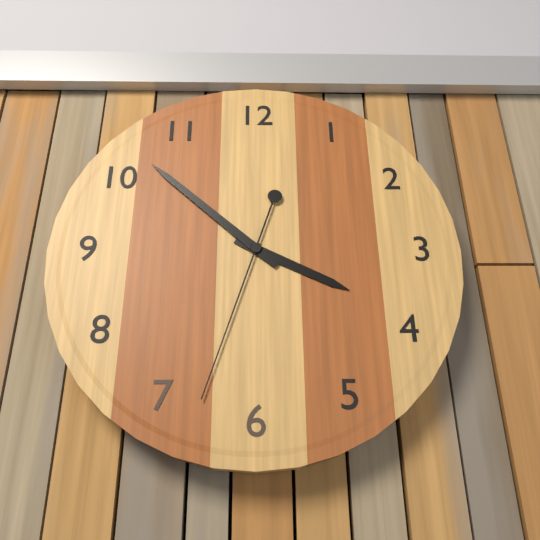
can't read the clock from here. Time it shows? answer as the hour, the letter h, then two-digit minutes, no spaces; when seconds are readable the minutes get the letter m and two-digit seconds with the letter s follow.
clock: 3h52m33s
